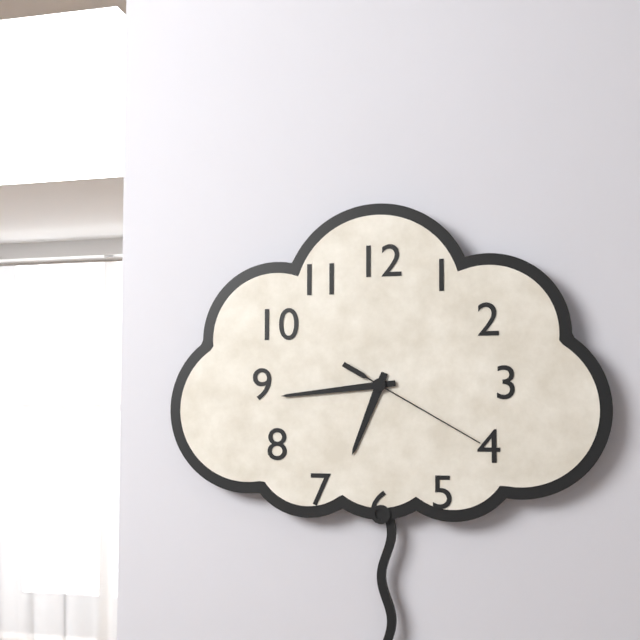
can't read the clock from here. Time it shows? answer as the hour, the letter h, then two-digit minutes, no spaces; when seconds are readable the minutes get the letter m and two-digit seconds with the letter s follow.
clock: 6h44m20s
